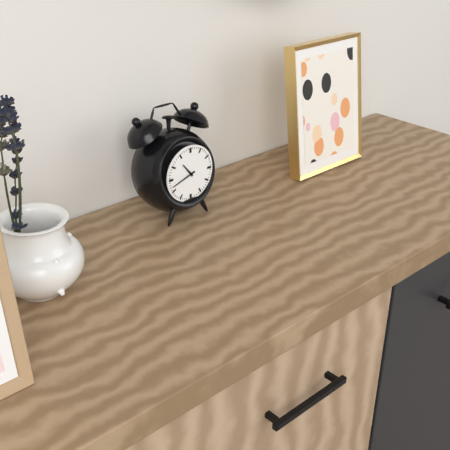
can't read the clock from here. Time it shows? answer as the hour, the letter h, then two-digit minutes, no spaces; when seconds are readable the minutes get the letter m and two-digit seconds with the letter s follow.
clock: 10h42
